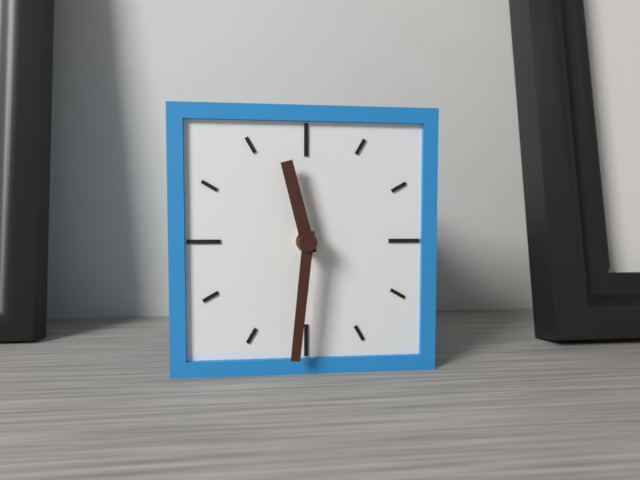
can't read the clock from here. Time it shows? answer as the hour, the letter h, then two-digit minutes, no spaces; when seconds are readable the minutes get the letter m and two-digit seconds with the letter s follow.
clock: 11h31
